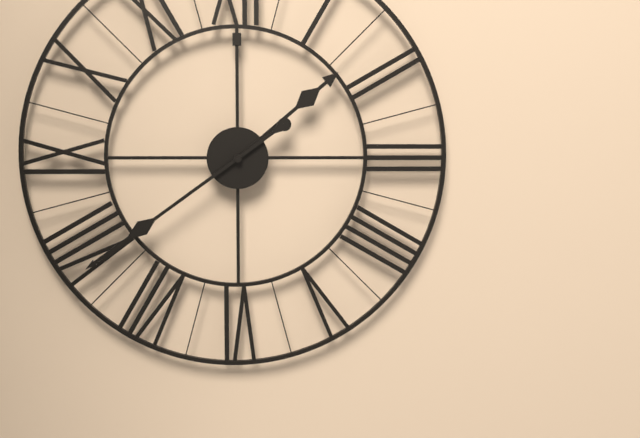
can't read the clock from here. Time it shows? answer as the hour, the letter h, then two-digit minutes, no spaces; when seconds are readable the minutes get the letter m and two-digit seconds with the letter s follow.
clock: 1h39
